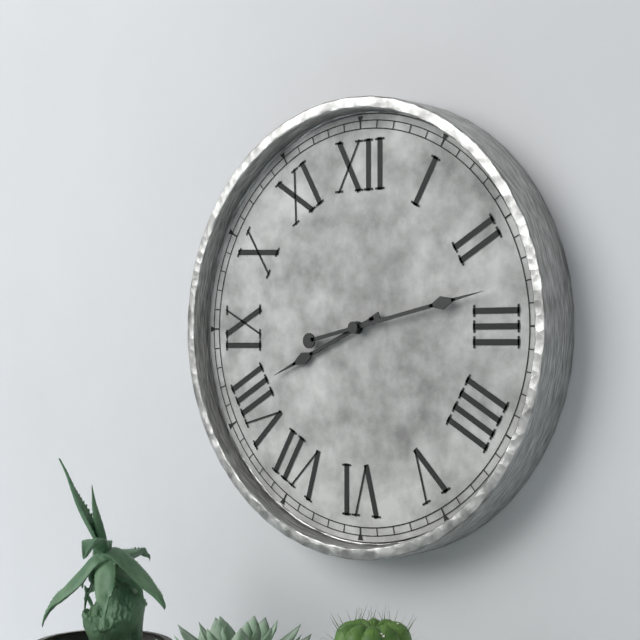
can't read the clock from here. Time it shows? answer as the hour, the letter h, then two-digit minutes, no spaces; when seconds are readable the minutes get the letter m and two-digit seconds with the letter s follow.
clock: 8h13
